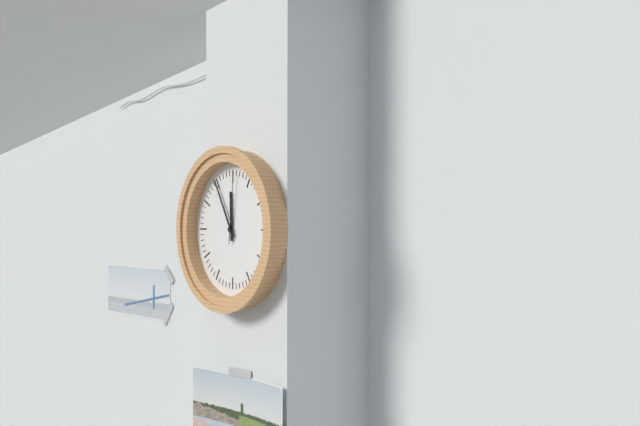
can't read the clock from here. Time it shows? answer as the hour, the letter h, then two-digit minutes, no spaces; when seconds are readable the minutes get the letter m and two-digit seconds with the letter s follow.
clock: 11h55m01s
